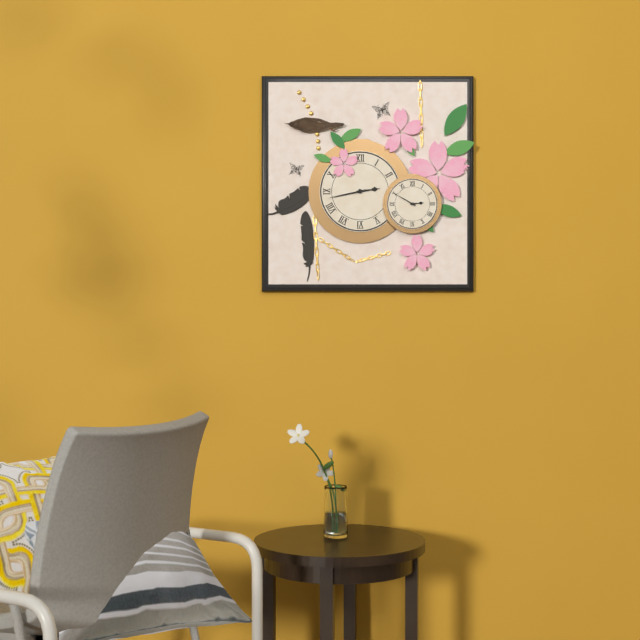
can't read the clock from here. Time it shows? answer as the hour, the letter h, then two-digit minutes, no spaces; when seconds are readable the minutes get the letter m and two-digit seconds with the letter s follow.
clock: 2h43
